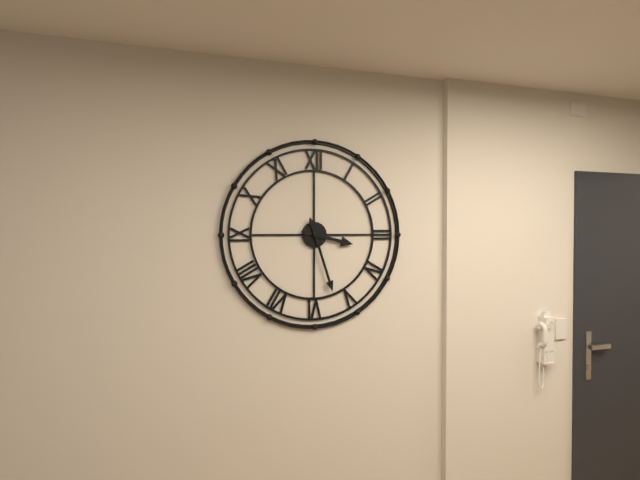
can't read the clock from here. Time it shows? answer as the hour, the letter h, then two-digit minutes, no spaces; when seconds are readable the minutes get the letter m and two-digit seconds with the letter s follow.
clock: 3h27
